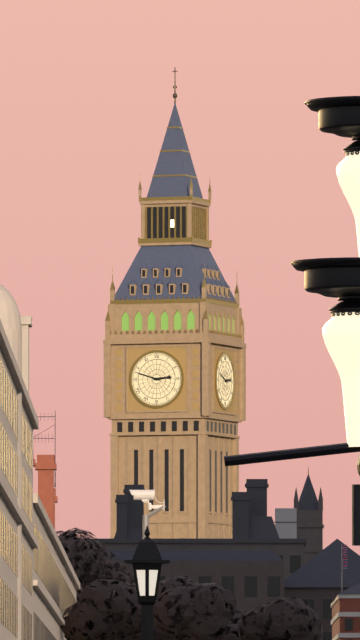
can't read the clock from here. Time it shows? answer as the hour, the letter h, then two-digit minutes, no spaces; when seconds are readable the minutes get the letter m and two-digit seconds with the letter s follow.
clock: 2h48
